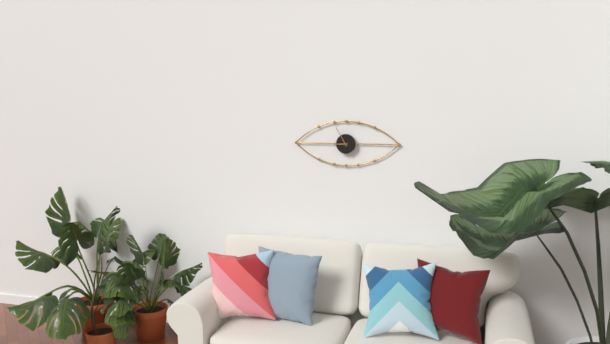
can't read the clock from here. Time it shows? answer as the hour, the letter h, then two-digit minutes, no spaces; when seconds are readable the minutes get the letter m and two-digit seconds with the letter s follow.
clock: 8h55
